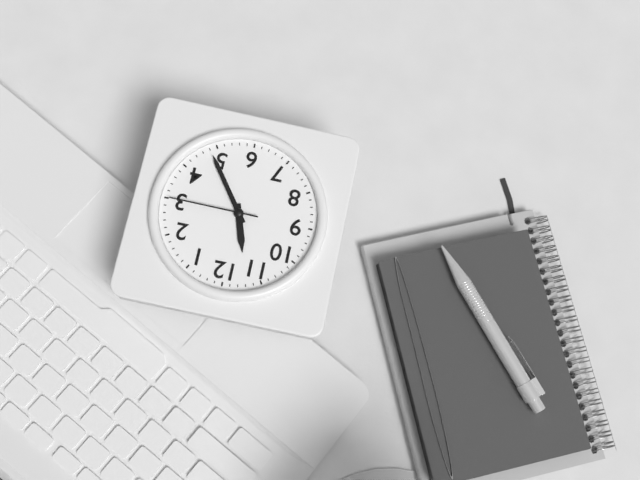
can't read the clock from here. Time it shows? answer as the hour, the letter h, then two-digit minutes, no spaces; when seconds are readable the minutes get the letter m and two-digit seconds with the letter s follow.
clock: 11h24m15s
